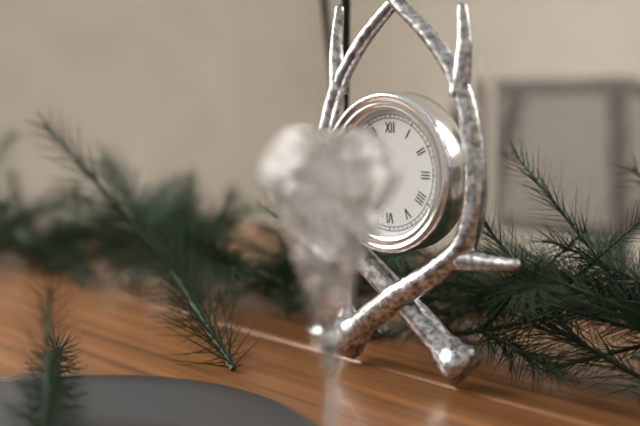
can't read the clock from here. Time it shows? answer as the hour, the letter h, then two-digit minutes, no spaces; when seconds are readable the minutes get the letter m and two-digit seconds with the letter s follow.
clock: 10h40
